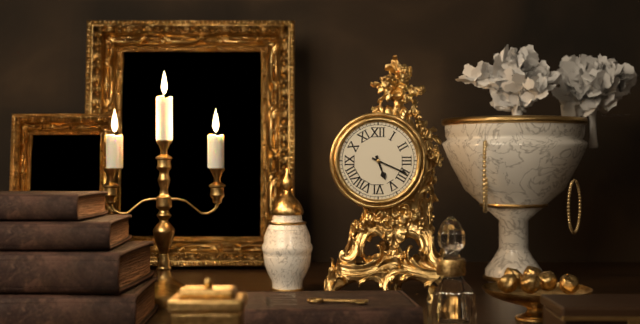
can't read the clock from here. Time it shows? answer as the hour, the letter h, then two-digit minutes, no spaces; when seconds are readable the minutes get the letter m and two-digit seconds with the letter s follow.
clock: 5h19
